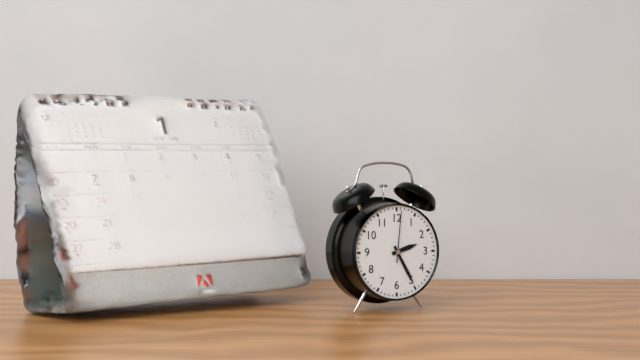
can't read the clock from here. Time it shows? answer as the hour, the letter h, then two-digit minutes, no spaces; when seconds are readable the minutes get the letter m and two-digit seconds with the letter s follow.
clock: 2h25m01s
